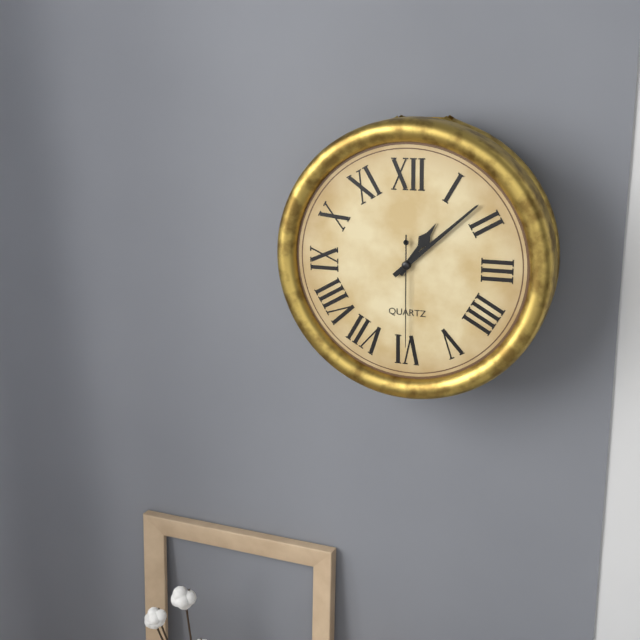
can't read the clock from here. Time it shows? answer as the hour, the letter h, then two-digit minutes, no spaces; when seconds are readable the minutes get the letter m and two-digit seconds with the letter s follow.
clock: 1h08m30s
